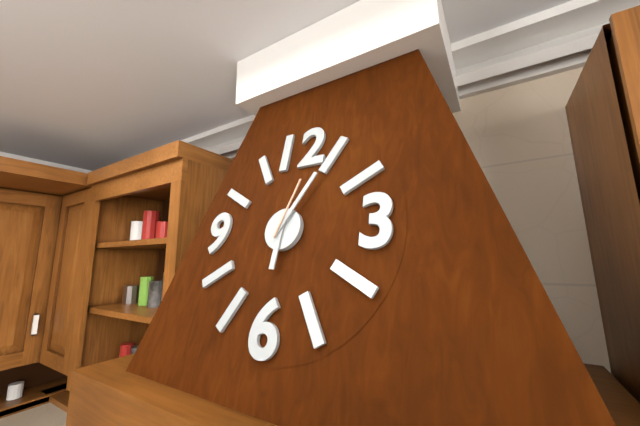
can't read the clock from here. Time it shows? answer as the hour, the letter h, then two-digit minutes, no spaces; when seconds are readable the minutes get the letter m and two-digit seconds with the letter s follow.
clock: 6h05m03s
